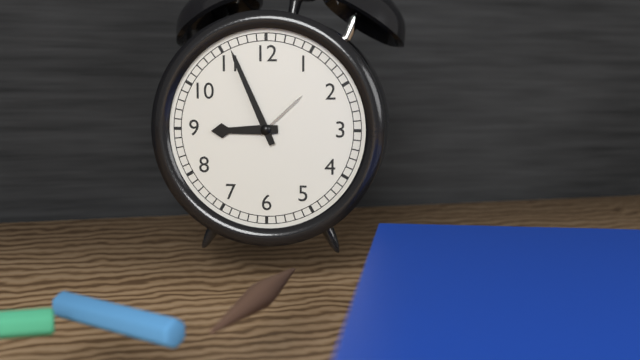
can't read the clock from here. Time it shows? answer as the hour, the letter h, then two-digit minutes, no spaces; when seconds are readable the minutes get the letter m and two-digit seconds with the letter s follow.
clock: 8h56
